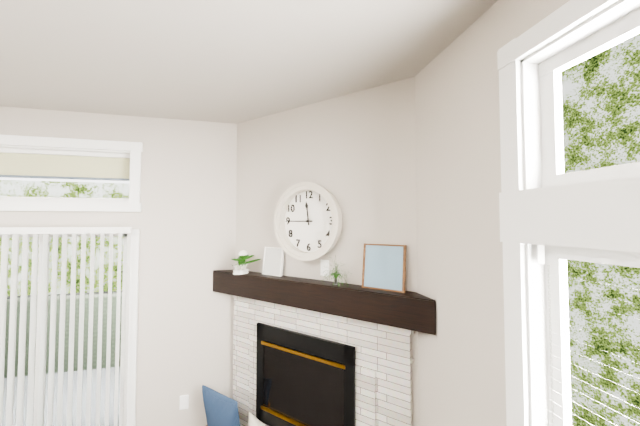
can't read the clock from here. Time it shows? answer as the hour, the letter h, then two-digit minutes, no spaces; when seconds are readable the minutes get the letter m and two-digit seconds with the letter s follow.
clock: 11h45
